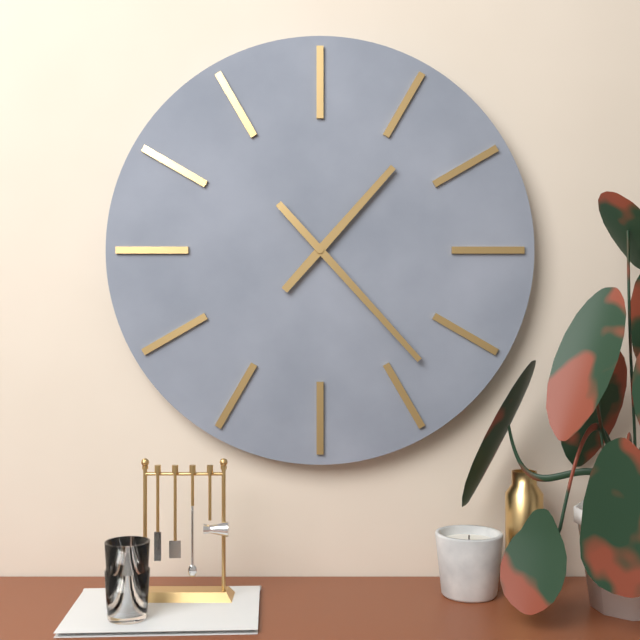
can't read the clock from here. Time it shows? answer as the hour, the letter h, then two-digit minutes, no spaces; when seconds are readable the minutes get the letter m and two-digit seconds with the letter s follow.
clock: 1h23
